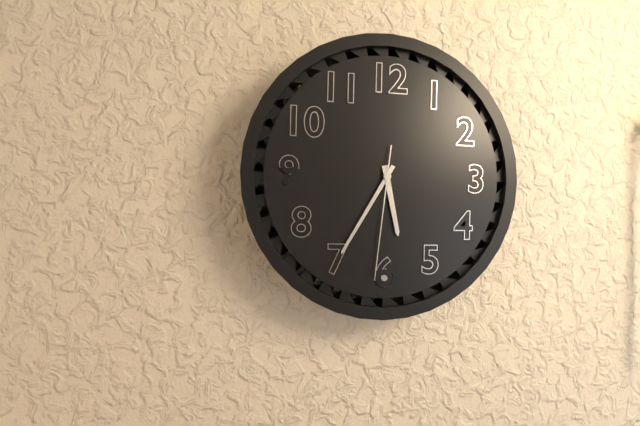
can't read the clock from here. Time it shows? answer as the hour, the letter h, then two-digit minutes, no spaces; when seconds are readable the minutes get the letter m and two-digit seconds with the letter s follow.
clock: 5h35m31s
